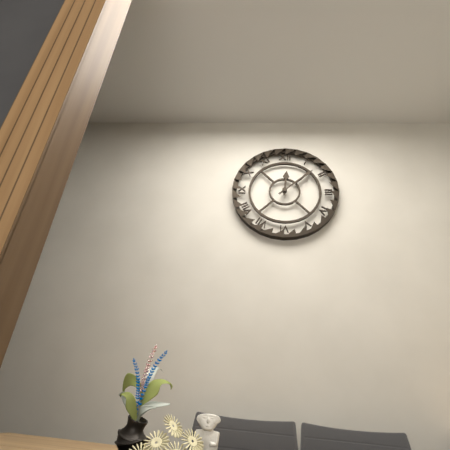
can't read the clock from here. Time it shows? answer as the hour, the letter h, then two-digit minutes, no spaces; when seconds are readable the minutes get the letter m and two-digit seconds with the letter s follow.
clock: 12h08
